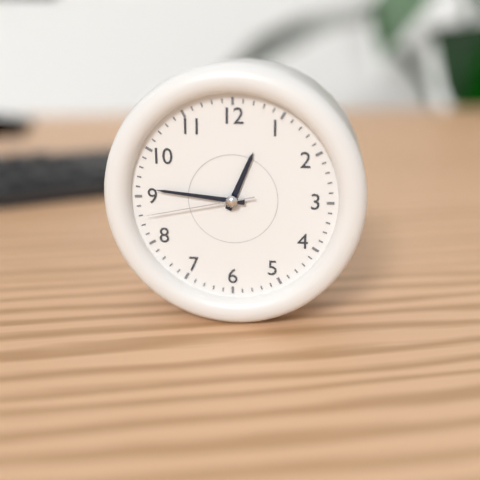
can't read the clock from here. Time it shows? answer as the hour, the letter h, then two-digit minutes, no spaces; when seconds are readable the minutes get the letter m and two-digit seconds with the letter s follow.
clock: 12h46m43s
